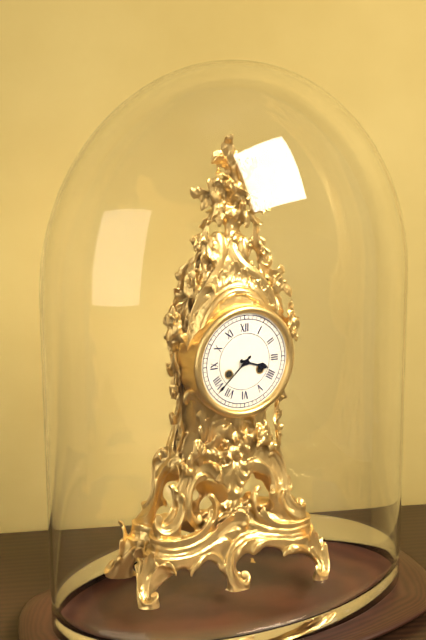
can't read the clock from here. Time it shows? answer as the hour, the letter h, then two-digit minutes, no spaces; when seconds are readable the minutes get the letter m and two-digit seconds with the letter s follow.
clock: 3h38
